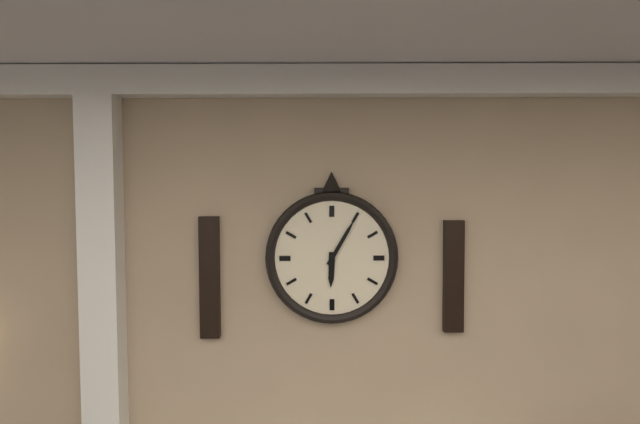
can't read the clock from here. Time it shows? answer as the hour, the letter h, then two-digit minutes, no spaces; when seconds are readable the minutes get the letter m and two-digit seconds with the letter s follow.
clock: 6h05
